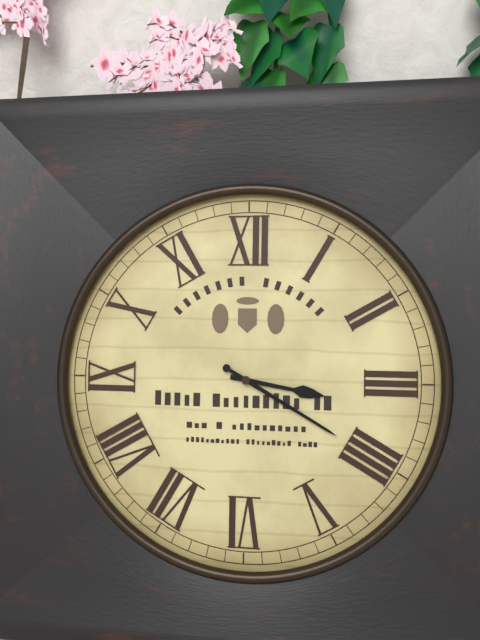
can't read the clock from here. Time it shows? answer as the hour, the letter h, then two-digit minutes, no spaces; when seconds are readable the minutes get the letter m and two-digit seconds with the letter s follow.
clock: 3h20
